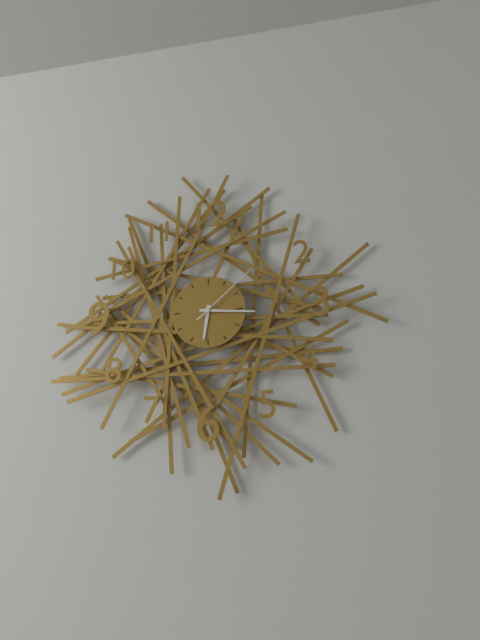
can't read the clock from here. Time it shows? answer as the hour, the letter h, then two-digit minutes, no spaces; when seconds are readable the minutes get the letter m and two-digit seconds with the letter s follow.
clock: 6h16m08s
